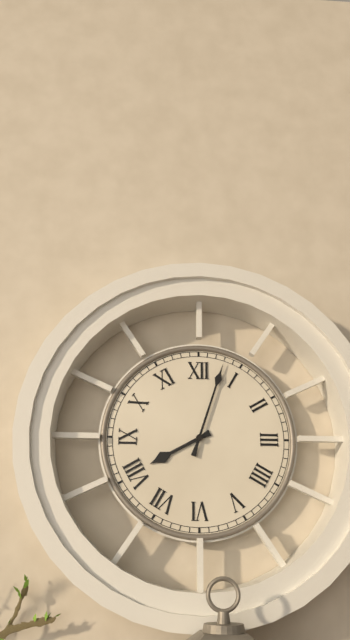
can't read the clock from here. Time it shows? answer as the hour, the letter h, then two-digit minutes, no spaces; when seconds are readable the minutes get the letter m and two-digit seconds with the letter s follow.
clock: 8h03
